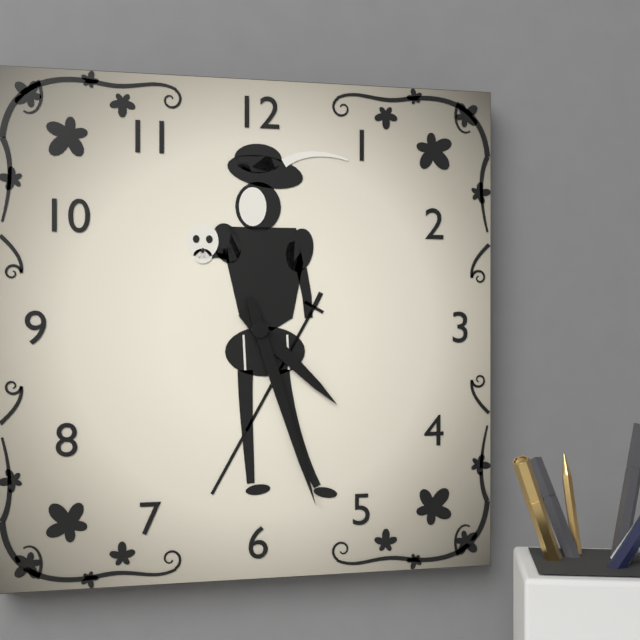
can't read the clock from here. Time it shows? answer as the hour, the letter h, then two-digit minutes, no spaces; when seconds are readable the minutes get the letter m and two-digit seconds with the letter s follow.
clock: 4h27
